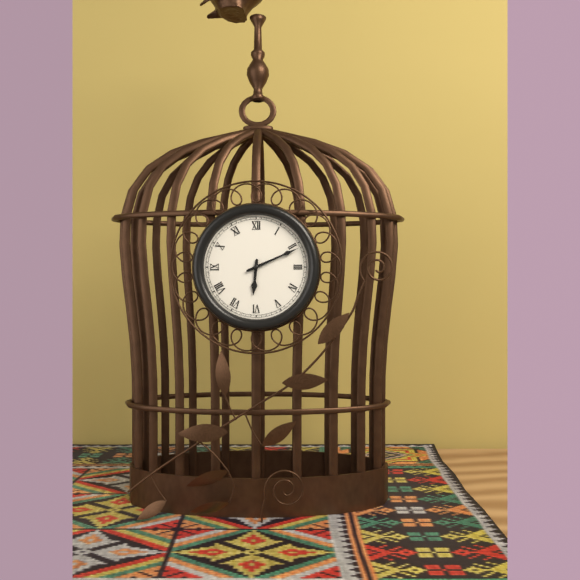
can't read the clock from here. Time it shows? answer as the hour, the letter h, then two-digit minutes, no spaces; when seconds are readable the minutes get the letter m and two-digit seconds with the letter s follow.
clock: 6h11
